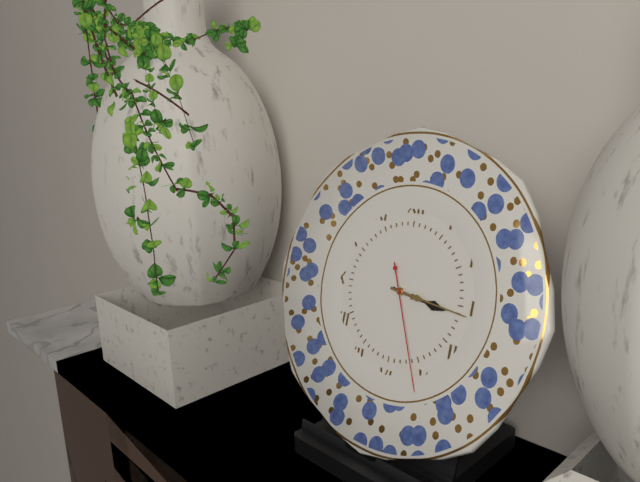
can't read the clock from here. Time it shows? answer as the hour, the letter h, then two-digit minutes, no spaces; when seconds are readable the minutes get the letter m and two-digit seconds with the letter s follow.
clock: 3h16m26s
